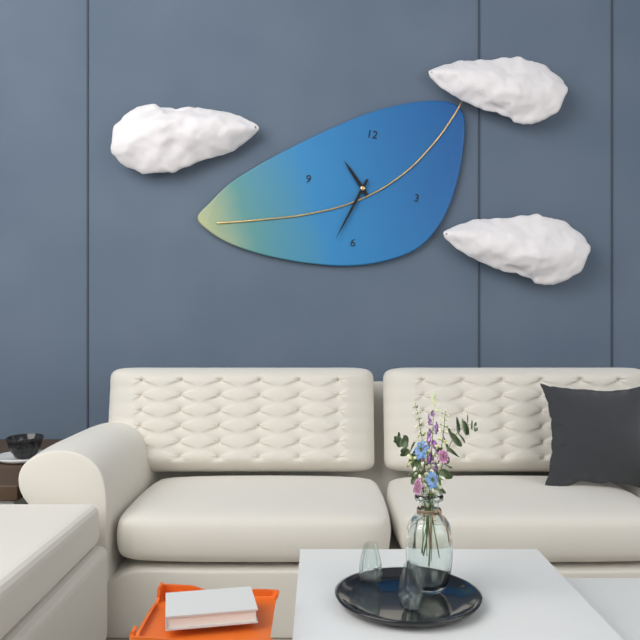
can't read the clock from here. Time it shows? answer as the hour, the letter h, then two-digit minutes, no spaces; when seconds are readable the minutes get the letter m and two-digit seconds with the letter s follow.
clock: 10h33
